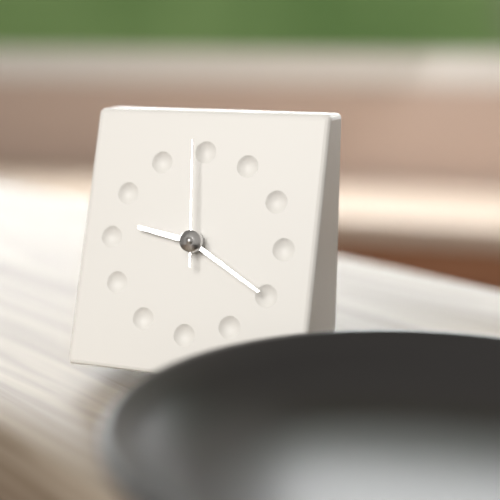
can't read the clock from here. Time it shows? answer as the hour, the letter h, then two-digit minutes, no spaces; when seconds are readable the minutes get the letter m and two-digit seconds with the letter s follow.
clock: 9h20m59s
